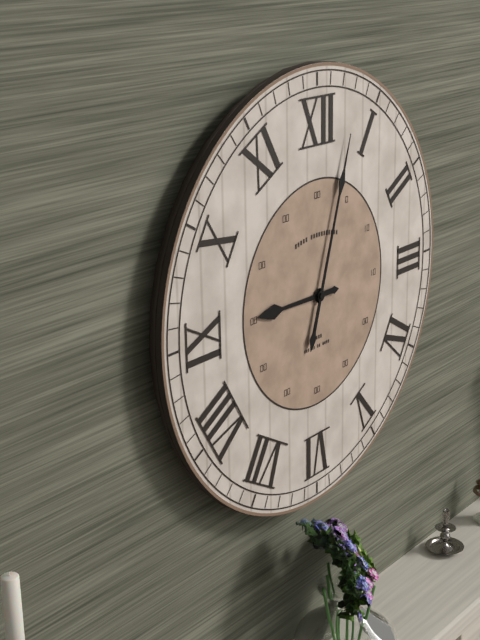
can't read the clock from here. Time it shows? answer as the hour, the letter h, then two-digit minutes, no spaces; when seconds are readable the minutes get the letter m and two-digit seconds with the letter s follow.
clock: 9h03
